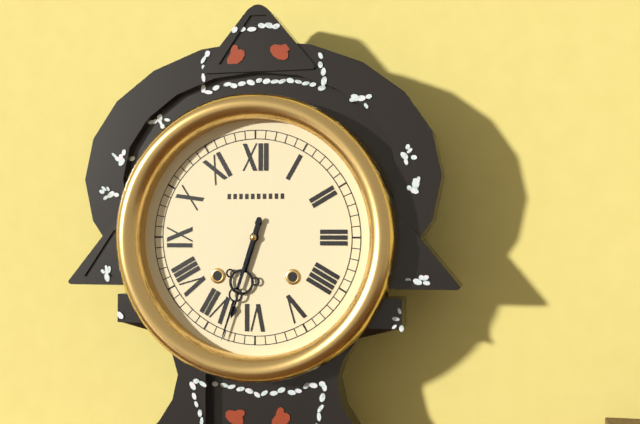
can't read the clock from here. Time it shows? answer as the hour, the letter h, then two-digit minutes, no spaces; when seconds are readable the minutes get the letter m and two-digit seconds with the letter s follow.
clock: 6h33
